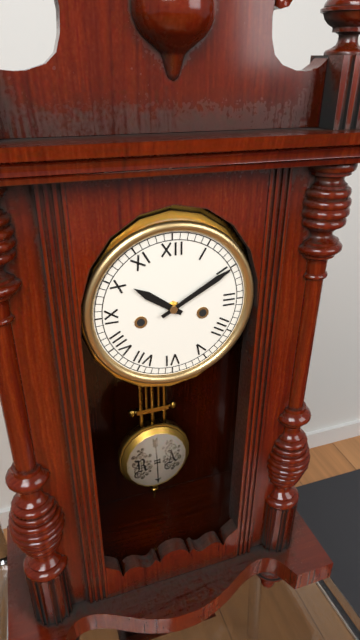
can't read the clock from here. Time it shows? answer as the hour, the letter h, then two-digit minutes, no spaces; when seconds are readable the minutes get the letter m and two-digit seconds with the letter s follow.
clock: 10h10
